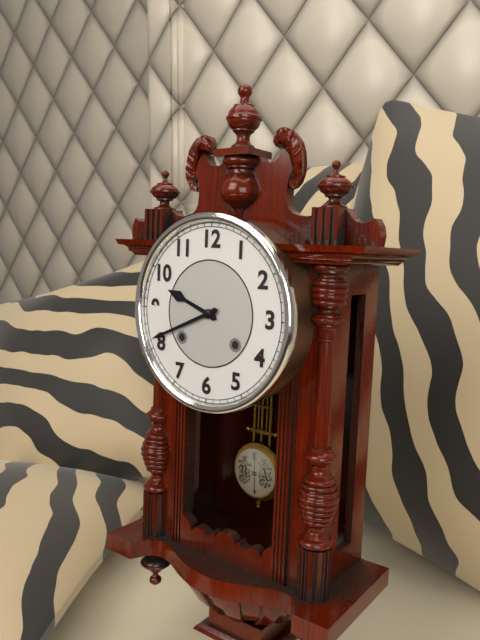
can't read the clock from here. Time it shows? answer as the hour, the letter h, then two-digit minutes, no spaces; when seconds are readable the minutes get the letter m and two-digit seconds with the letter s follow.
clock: 9h41
